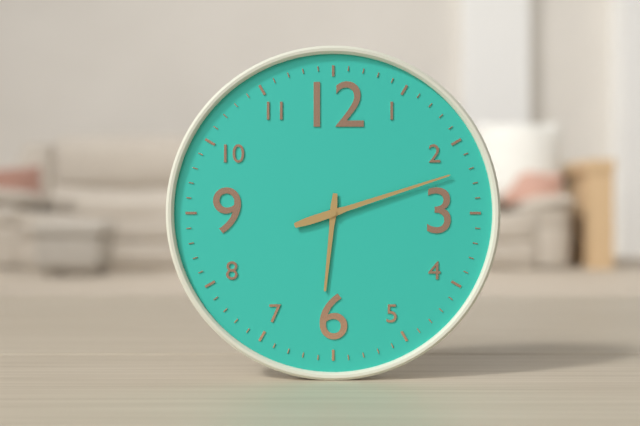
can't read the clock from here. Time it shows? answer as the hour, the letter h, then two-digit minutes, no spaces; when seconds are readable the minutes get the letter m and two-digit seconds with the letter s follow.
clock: 6h12
